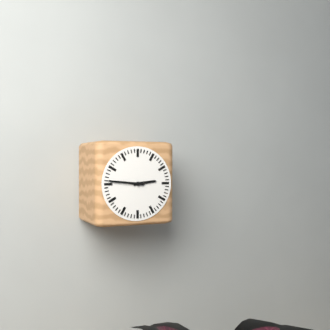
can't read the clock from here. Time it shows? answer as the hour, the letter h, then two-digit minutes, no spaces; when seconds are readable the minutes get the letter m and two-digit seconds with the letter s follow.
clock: 2h46
